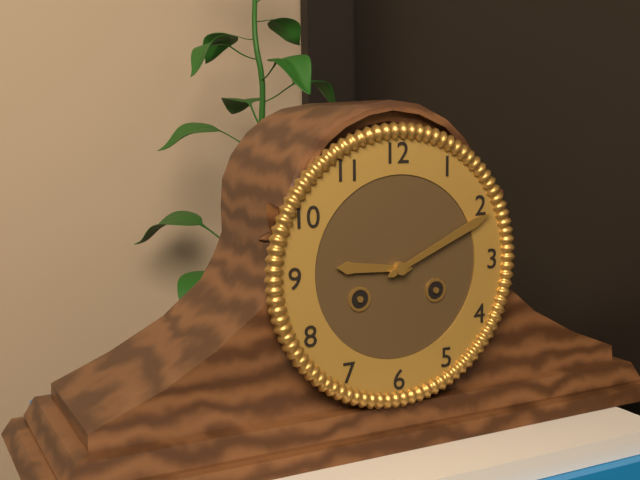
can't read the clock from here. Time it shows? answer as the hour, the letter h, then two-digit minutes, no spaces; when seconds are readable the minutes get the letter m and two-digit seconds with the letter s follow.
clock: 9h11
